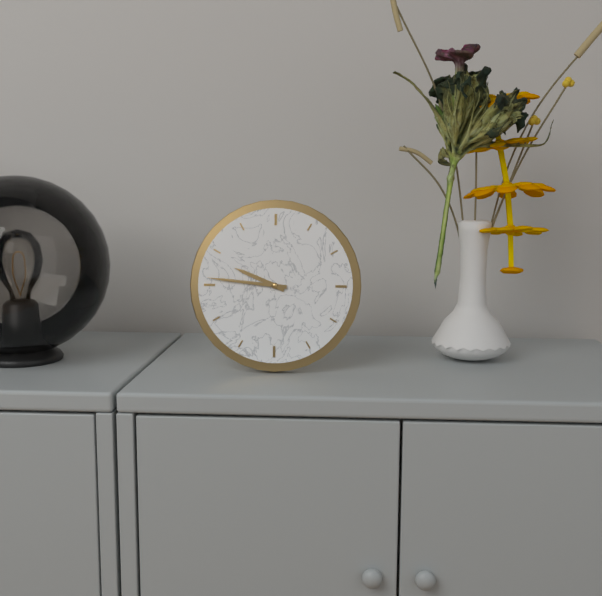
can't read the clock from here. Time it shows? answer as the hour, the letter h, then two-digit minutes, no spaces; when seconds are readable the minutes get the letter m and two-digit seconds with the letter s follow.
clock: 9h46
